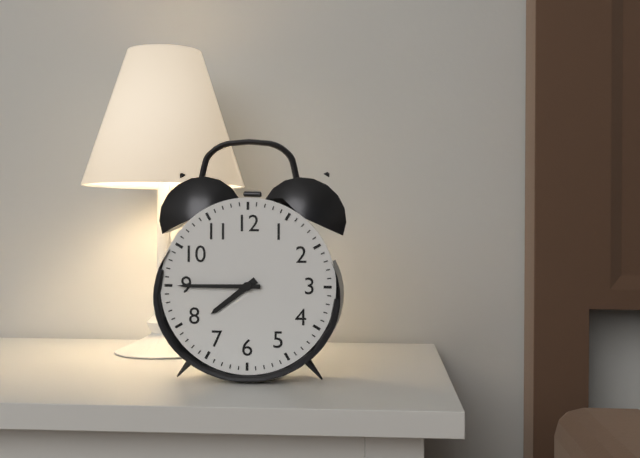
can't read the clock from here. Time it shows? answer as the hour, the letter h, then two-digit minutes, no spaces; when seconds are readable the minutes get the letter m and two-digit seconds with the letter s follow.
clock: 7h45
